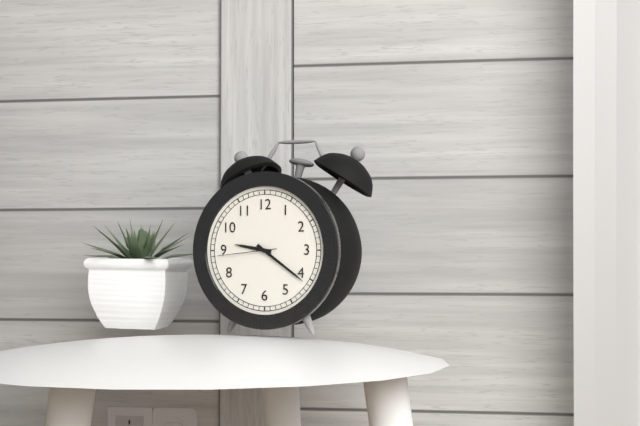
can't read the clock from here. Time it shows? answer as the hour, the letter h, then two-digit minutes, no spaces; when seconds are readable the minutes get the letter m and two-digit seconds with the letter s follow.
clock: 9h21m44s
